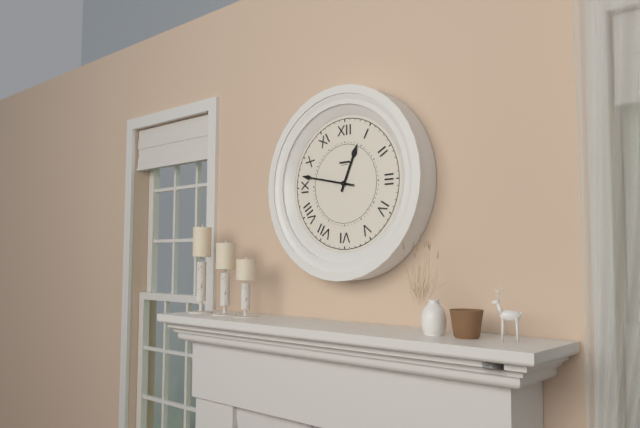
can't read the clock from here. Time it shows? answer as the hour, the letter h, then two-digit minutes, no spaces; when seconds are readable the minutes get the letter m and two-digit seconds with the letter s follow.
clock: 12h47
